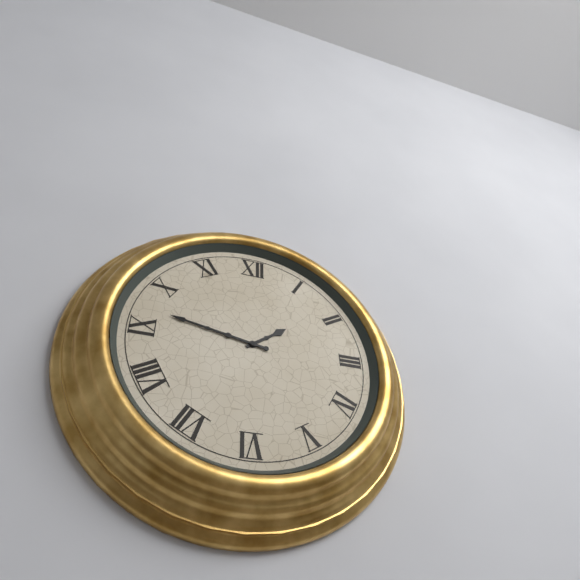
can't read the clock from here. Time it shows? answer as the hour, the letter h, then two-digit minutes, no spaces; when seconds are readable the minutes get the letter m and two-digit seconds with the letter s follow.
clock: 1h47
